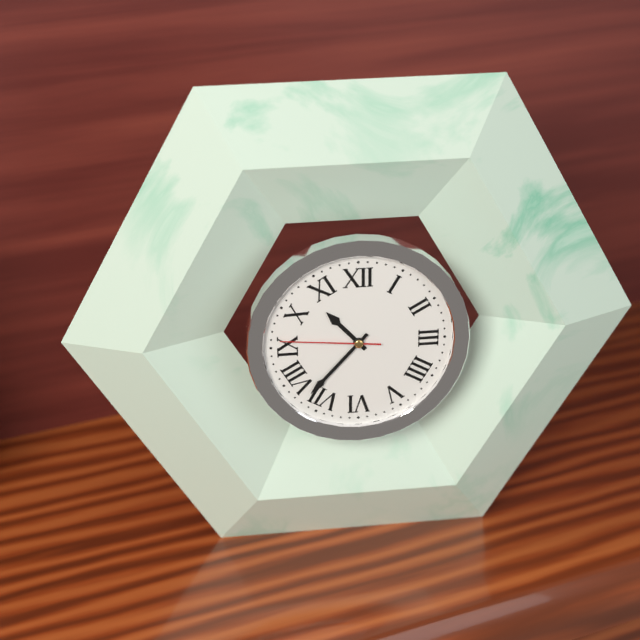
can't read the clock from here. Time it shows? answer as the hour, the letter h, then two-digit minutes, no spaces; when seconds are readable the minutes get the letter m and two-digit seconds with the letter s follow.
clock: 10h37m46s
